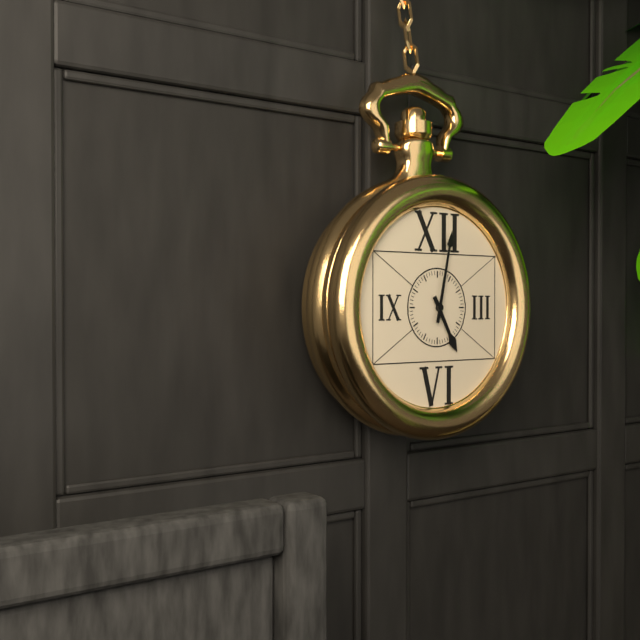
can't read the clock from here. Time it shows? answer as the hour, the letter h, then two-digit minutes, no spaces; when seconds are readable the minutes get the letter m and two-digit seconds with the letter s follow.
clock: 5h02
